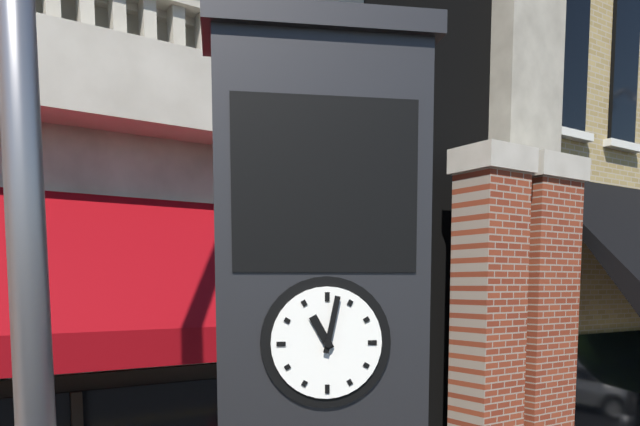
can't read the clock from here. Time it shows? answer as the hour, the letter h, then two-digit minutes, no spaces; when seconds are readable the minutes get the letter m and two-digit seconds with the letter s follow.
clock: 11h02
